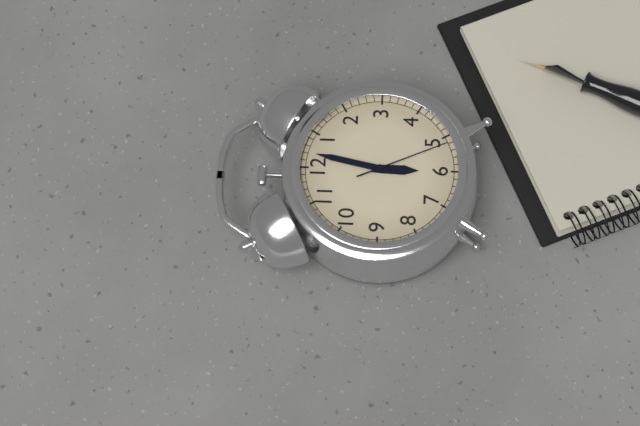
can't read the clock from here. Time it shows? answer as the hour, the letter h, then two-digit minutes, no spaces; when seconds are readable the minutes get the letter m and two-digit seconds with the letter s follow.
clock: 6h02m26s
